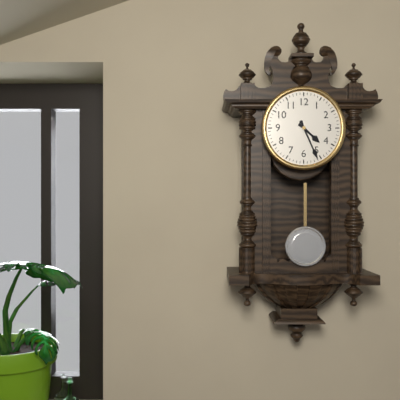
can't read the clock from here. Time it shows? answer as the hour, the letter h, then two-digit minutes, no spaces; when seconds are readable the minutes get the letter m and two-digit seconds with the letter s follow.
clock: 4h26
